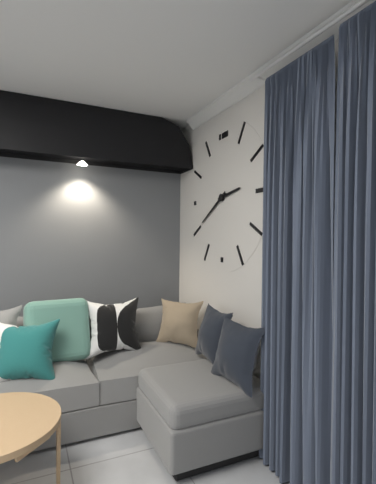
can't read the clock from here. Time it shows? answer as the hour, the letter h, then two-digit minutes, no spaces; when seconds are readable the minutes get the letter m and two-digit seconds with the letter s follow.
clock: 2h40
